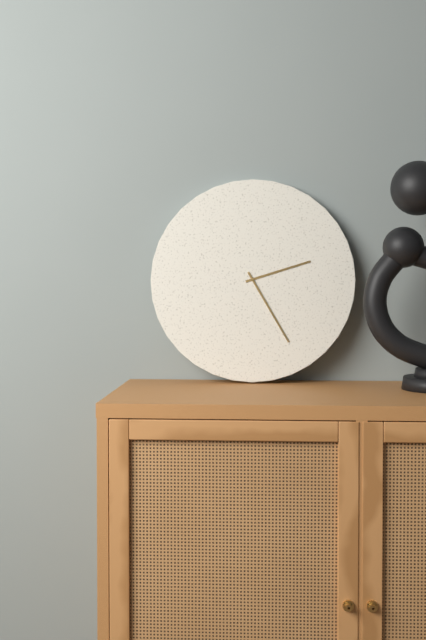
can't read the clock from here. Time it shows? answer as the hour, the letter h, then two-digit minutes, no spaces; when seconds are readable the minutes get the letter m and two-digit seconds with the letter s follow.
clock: 2h25
